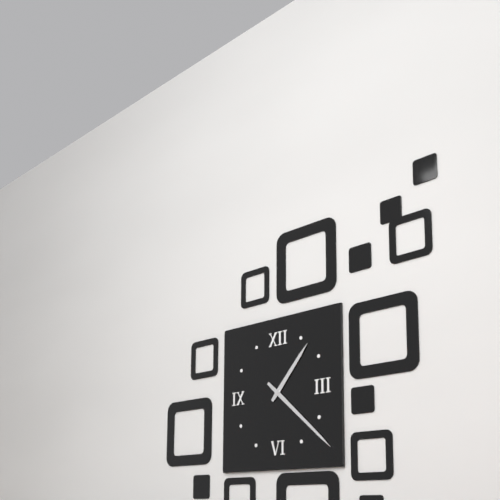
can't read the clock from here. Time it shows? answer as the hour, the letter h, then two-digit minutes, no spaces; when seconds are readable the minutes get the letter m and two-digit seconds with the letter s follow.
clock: 1h22
